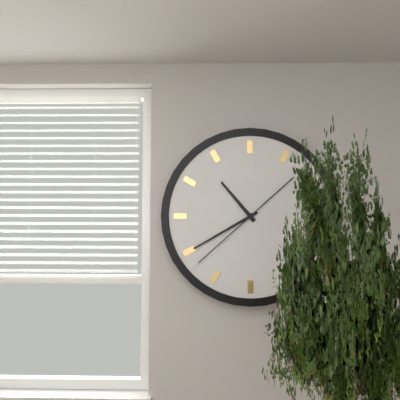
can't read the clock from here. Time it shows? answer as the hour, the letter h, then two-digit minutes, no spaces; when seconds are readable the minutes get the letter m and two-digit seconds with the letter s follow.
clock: 10h40m38s
